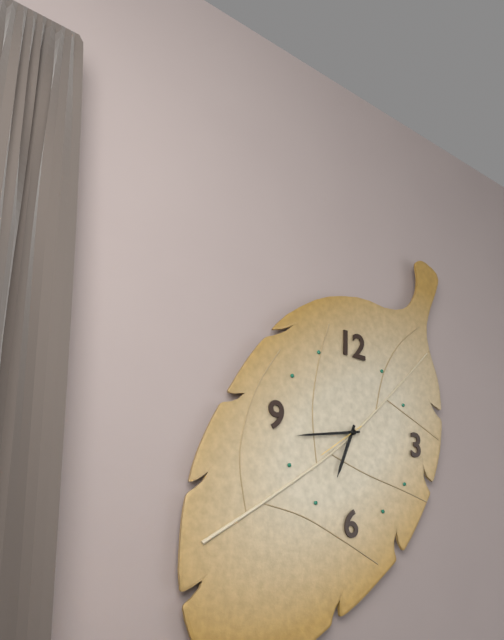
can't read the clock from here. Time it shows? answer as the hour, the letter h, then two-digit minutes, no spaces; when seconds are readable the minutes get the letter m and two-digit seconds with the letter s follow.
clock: 6h43m39s
